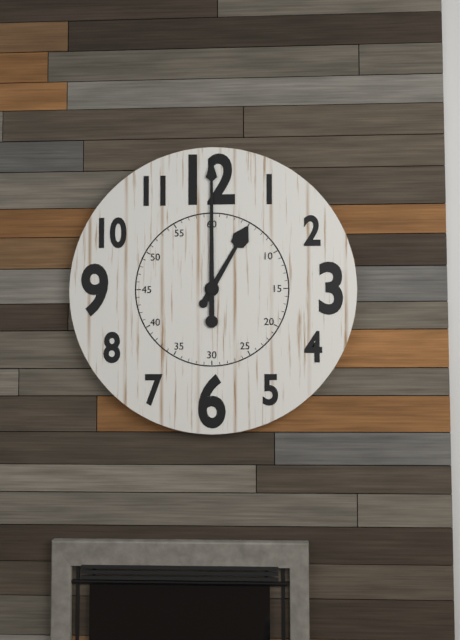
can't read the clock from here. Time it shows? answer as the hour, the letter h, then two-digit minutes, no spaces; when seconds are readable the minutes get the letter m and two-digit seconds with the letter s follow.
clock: 1h00
